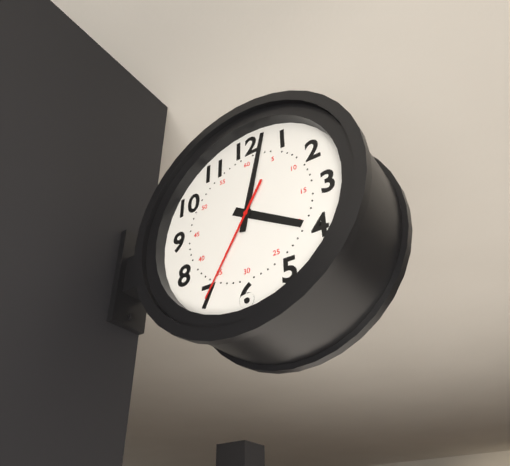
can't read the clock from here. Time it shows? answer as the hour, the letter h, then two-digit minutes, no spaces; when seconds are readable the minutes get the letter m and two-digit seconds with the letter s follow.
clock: 4h02m35s
